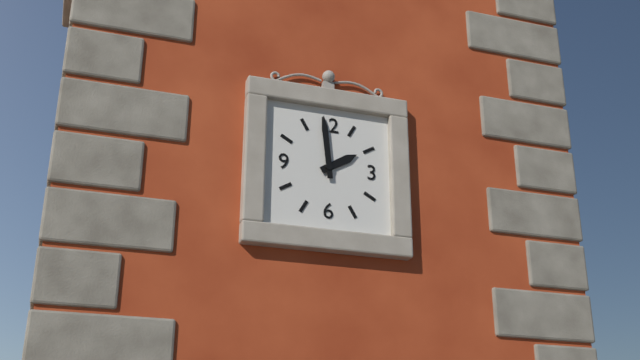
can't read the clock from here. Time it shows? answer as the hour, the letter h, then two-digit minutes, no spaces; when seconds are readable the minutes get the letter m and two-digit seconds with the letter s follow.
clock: 1h59
